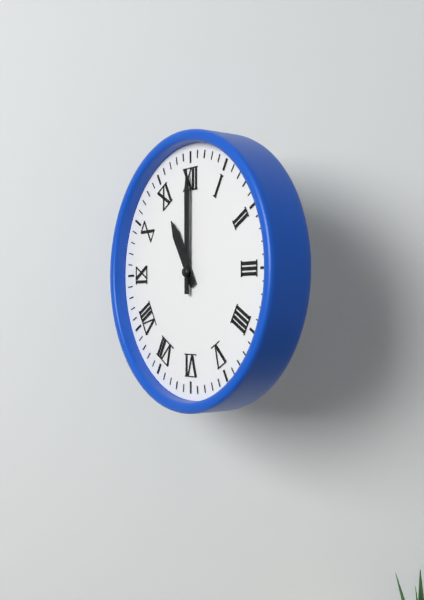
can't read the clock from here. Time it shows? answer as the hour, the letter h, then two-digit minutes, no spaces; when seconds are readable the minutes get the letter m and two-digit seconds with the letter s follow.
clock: 11h00
